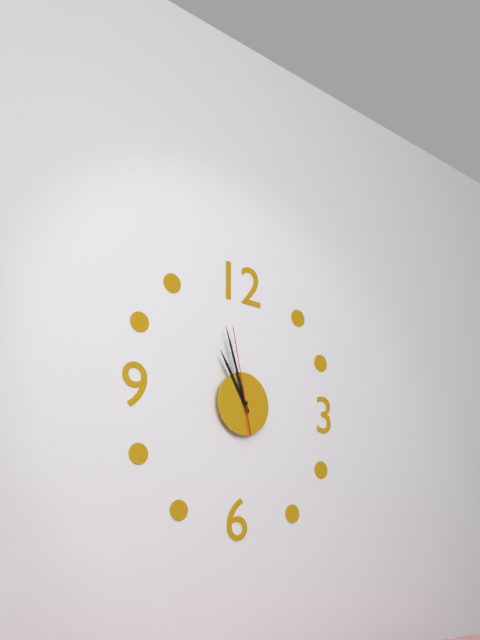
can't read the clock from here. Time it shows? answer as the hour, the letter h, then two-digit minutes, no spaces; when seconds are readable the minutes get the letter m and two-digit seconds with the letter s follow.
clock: 10h57m58s
